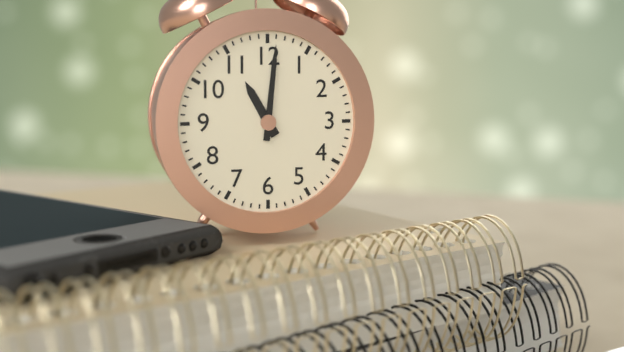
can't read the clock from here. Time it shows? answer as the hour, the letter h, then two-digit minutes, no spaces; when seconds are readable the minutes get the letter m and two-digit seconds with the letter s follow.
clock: 11h01
